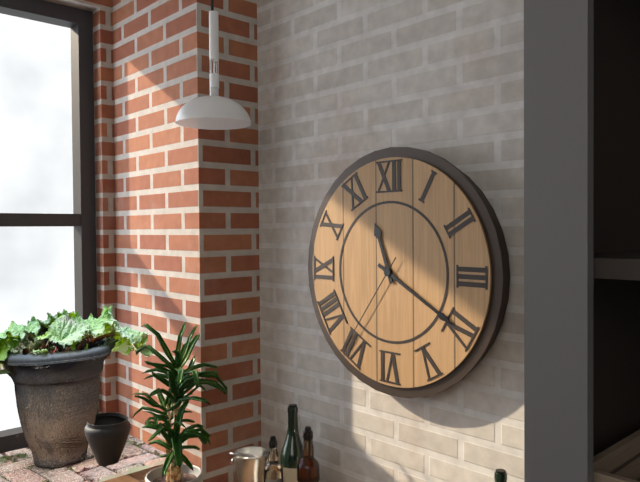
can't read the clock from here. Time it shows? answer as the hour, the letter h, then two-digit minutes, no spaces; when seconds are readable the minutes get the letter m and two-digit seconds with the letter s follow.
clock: 11h20m36s
